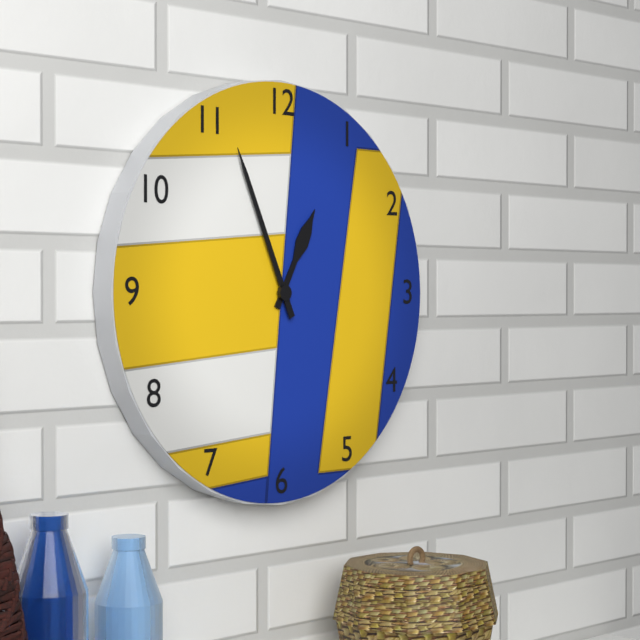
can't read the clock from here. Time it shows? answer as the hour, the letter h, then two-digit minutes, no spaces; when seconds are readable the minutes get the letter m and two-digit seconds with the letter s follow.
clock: 12h56
